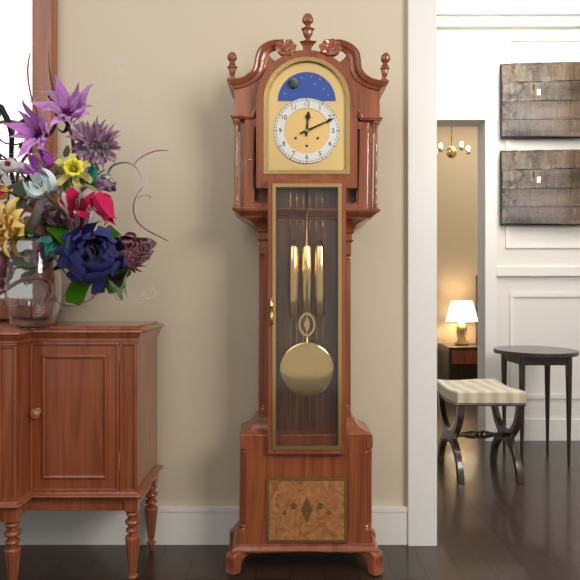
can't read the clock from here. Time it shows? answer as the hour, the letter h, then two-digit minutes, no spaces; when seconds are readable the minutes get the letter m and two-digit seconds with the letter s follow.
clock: 12h11
